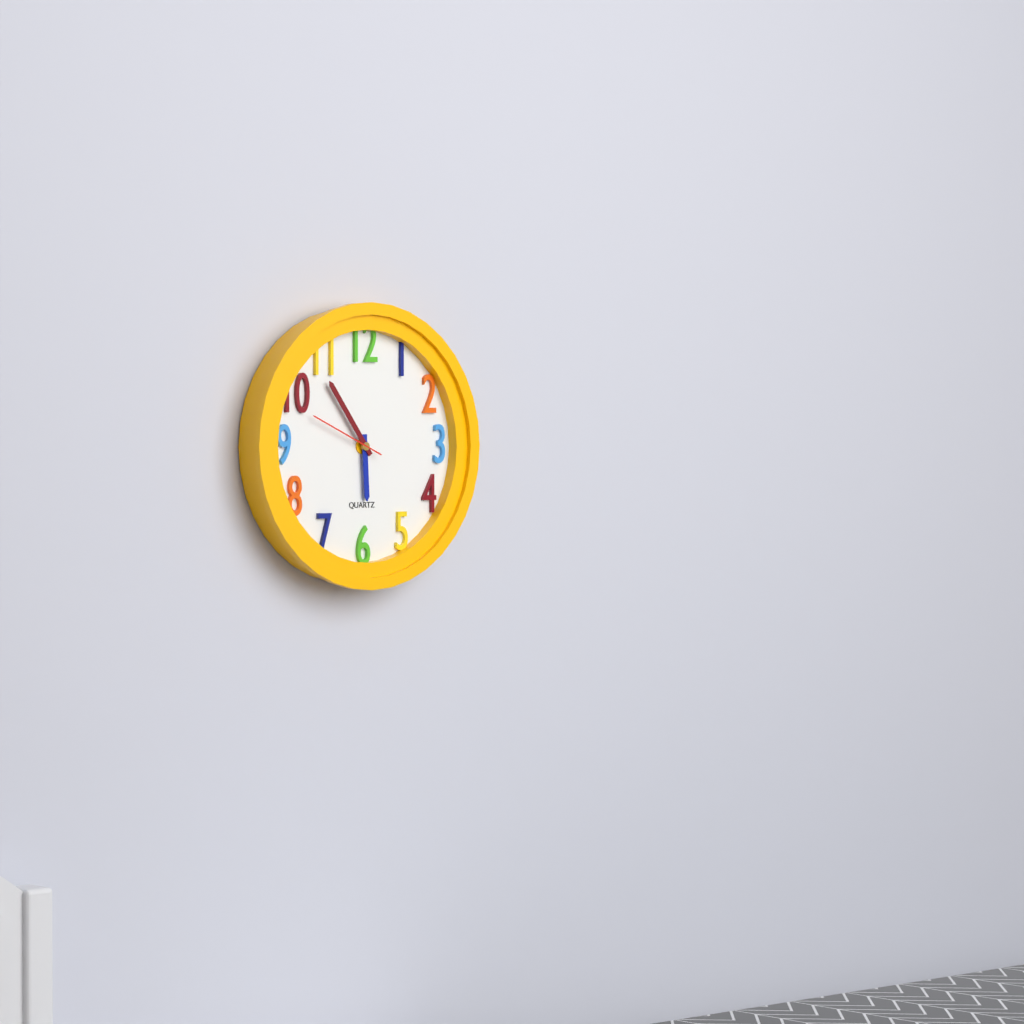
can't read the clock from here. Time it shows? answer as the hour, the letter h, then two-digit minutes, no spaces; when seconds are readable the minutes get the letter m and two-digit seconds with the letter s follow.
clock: 5h54m49s
